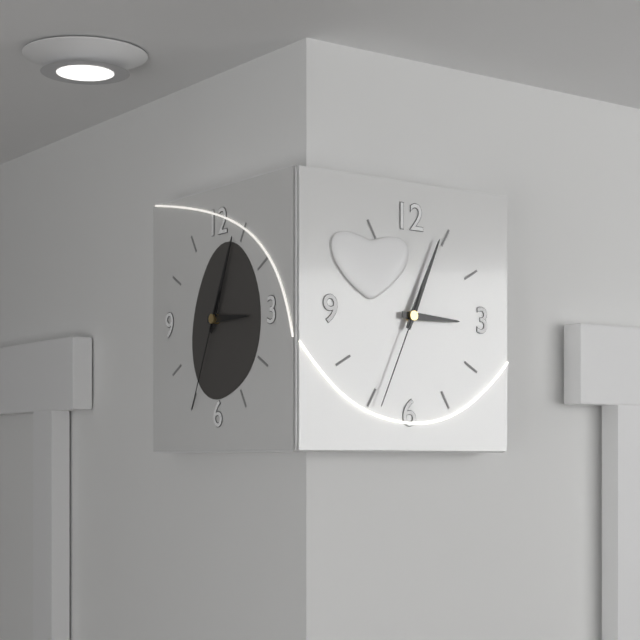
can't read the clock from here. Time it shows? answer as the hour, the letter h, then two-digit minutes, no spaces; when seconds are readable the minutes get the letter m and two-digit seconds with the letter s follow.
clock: 3h04m34s
